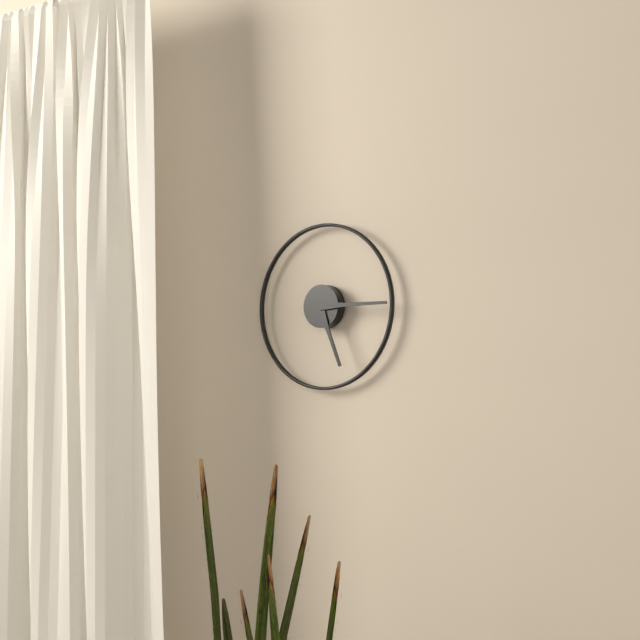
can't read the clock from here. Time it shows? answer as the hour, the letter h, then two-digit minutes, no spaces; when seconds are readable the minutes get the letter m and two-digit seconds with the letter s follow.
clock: 5h15
